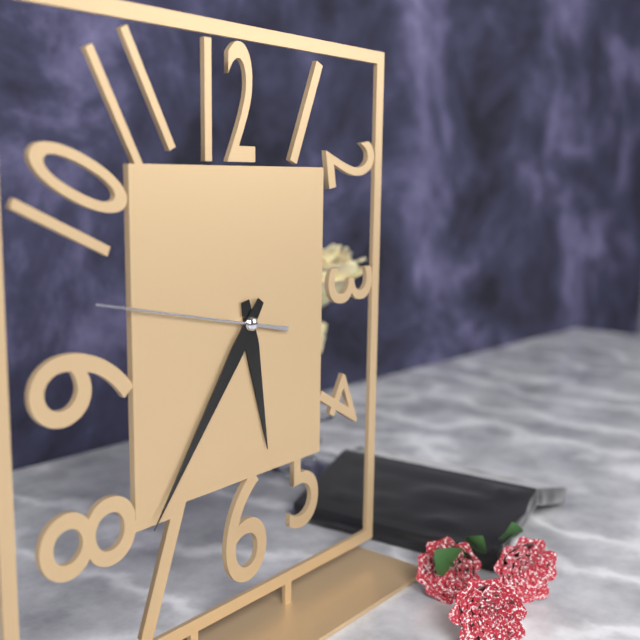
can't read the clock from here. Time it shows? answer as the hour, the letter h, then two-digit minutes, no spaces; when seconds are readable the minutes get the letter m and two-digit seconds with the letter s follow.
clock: 5h36m47s
